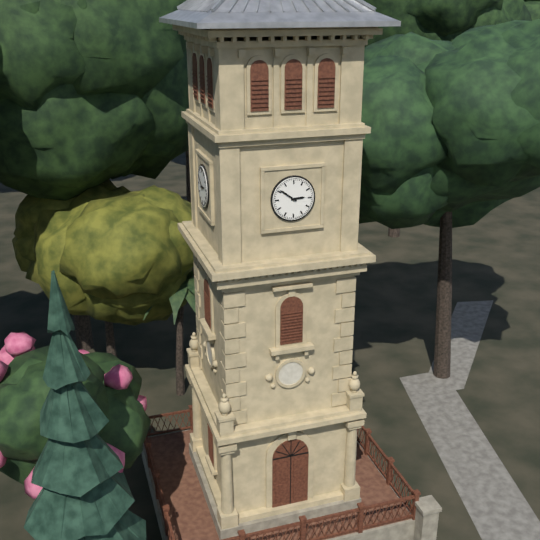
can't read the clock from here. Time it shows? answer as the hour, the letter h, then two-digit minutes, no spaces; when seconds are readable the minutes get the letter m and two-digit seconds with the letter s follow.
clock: 2h51
